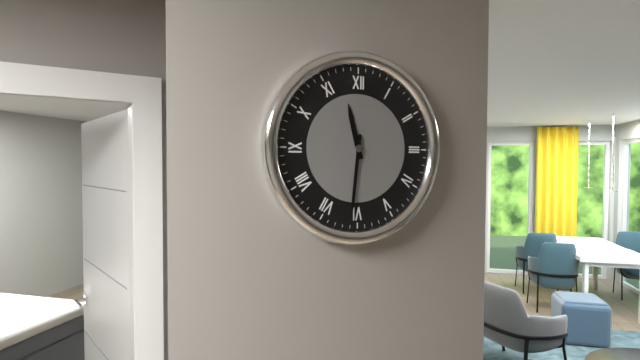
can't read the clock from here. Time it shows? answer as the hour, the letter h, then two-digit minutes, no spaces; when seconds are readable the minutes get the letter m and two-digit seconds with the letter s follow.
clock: 11h31
